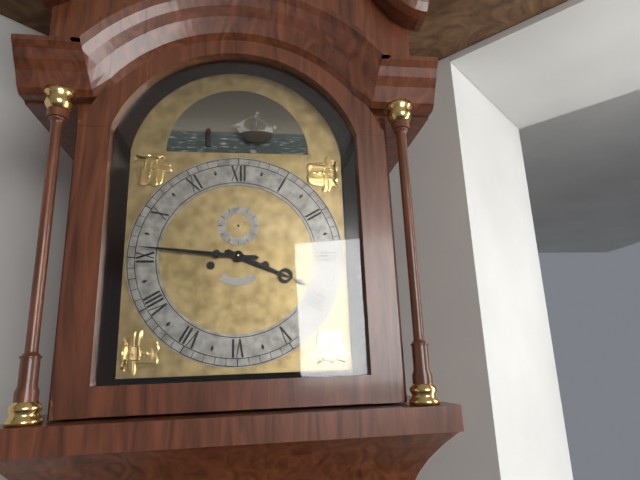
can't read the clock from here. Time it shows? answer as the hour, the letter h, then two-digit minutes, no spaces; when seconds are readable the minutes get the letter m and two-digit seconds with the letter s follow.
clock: 3h46
